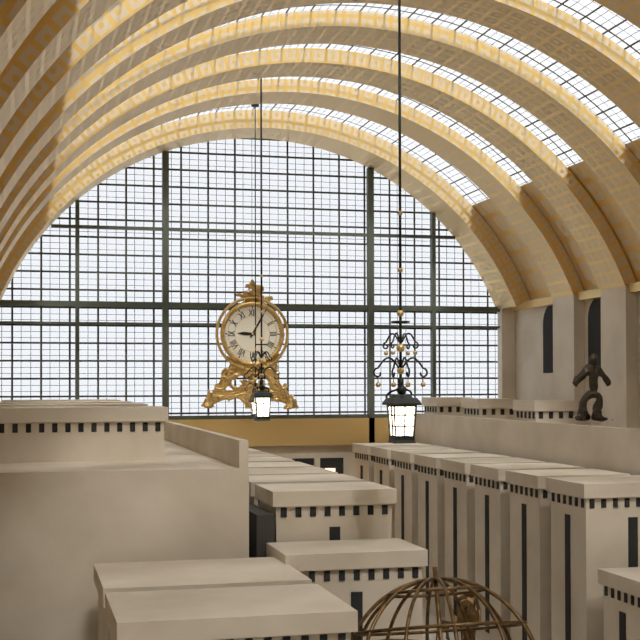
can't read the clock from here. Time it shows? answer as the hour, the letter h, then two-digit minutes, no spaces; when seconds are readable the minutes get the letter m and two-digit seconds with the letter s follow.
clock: 9h05
